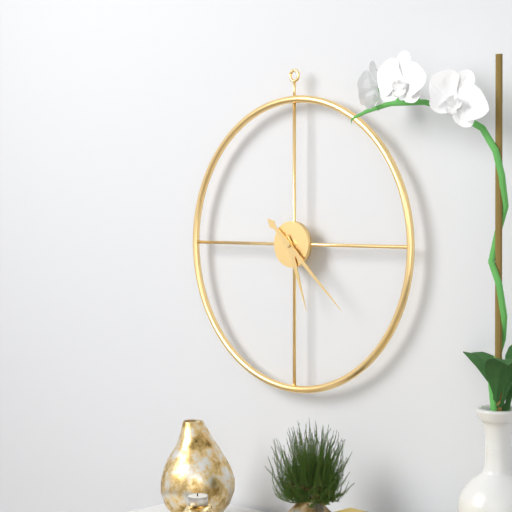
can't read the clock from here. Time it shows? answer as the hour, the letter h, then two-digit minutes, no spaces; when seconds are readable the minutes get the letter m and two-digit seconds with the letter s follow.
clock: 5h22
